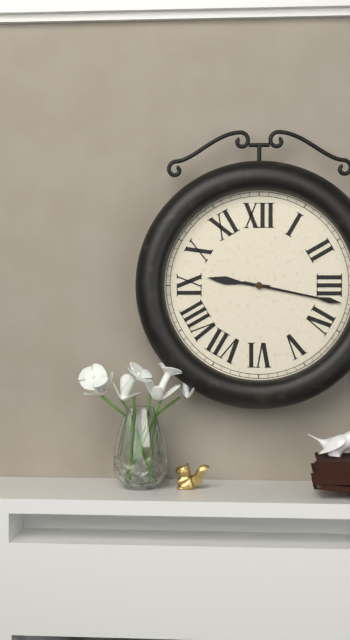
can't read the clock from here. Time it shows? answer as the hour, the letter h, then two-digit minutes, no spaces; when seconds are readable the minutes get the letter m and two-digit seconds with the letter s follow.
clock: 9h17
